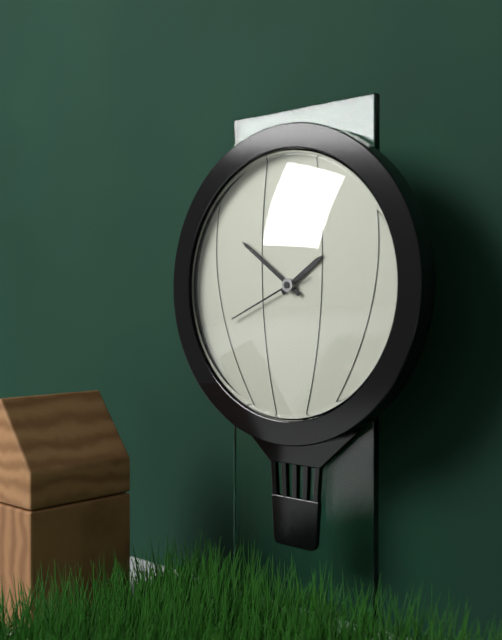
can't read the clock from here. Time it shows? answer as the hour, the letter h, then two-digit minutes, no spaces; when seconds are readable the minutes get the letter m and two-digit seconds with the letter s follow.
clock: 1h51m41s
